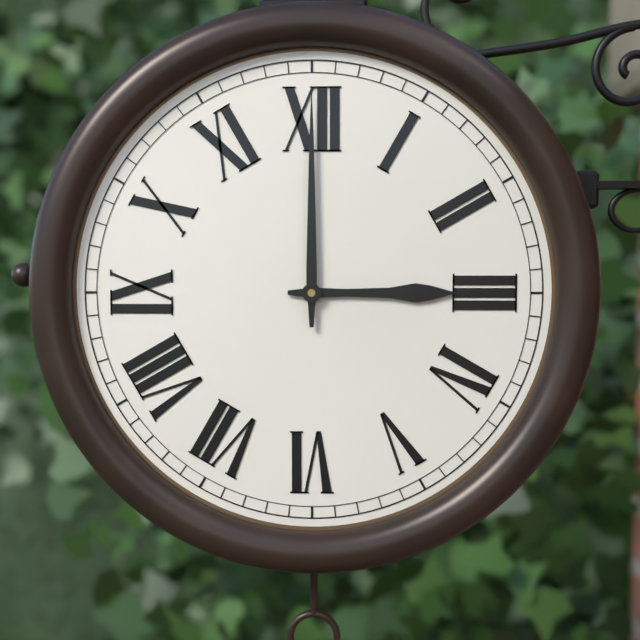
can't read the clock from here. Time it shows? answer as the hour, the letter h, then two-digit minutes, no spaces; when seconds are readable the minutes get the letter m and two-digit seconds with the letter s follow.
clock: 3h00
